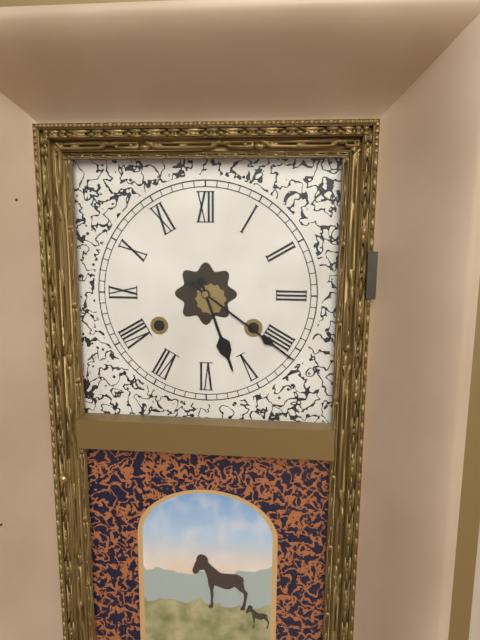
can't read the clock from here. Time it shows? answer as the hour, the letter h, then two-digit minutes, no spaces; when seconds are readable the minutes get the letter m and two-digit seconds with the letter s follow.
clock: 5h21
